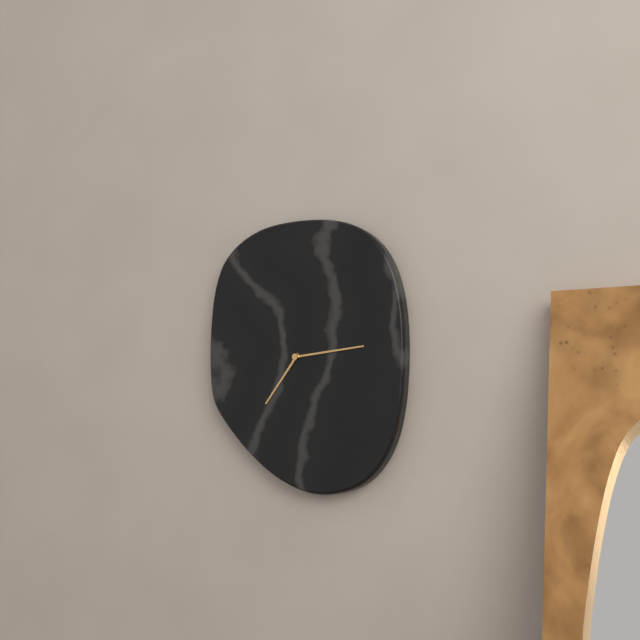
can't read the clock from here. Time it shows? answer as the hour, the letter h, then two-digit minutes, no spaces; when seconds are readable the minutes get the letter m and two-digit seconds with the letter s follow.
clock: 7h14
